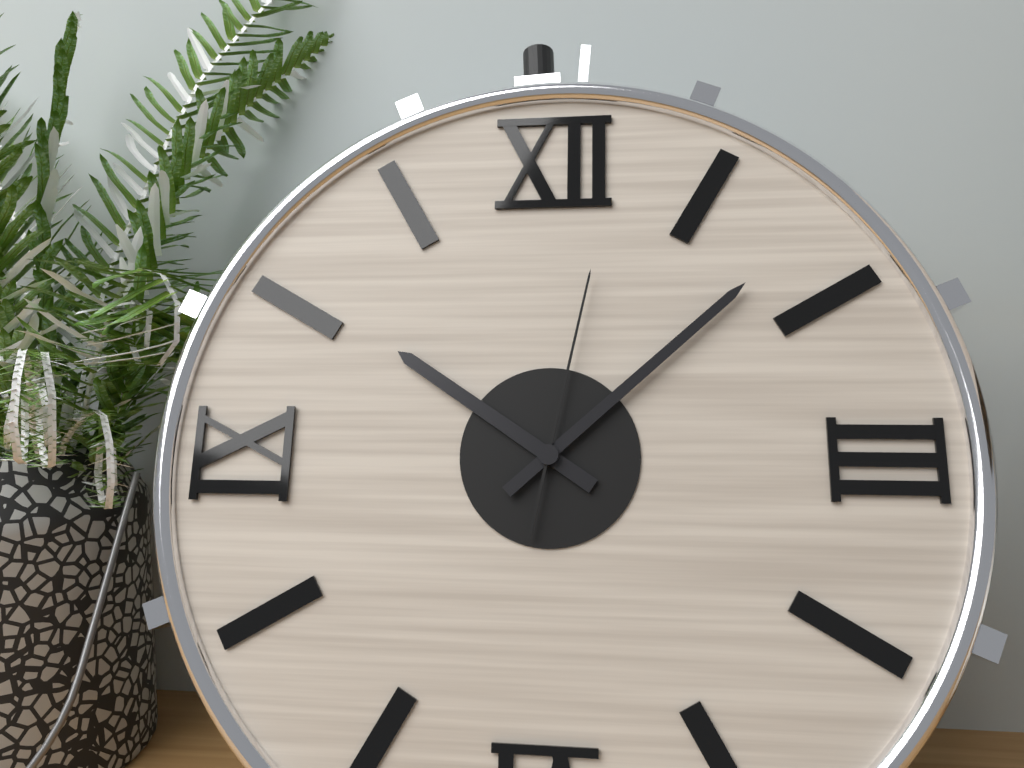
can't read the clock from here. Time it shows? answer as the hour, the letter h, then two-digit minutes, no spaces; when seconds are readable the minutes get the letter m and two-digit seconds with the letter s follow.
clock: 10h08m02s
